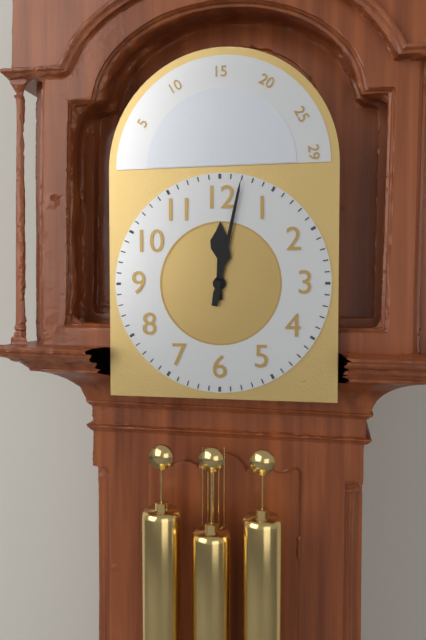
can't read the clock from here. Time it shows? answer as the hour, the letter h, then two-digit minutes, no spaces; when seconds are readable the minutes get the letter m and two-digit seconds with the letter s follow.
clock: 12h02
